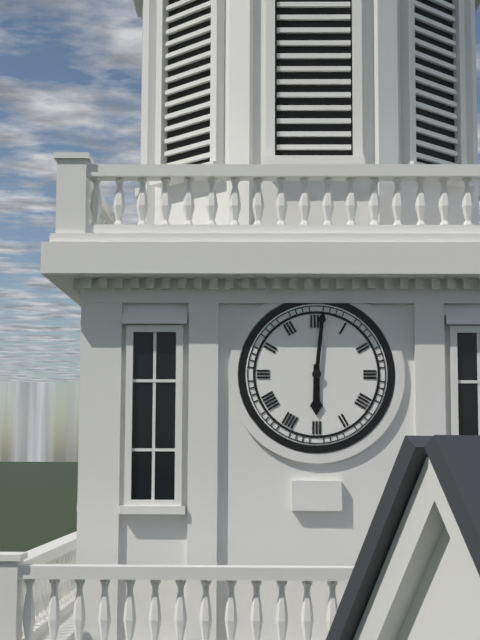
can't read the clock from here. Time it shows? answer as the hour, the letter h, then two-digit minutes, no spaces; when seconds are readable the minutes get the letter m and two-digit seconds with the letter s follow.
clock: 6h01
